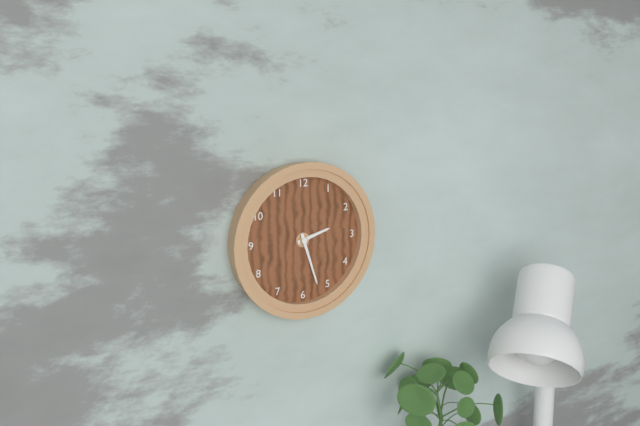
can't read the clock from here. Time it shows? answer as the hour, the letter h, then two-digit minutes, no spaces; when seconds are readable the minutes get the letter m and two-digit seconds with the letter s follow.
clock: 2h27
